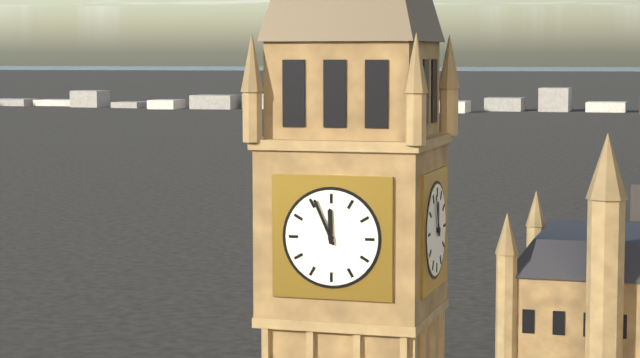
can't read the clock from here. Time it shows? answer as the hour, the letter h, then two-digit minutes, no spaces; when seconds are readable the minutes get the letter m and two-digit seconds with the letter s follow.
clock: 11h56
